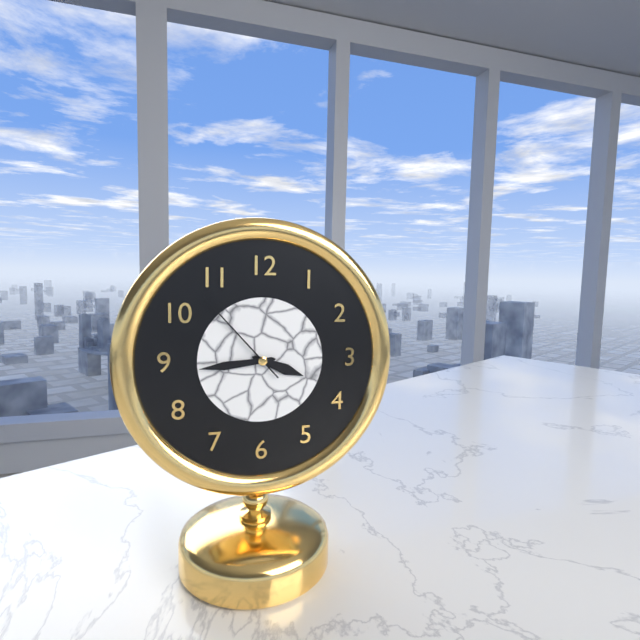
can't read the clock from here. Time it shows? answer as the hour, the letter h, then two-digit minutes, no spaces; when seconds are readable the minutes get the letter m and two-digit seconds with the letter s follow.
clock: 3h44m53s
